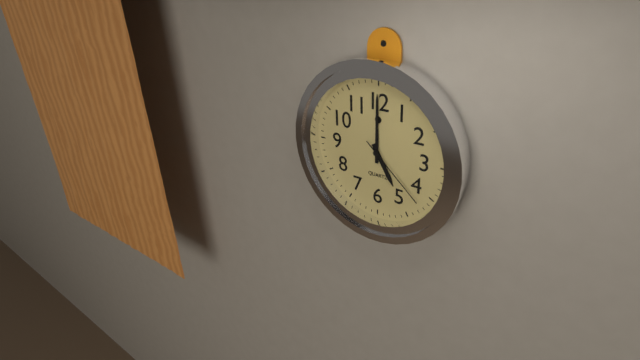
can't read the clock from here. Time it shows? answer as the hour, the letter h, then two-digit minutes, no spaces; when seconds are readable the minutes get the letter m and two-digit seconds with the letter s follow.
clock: 5h00m22s
